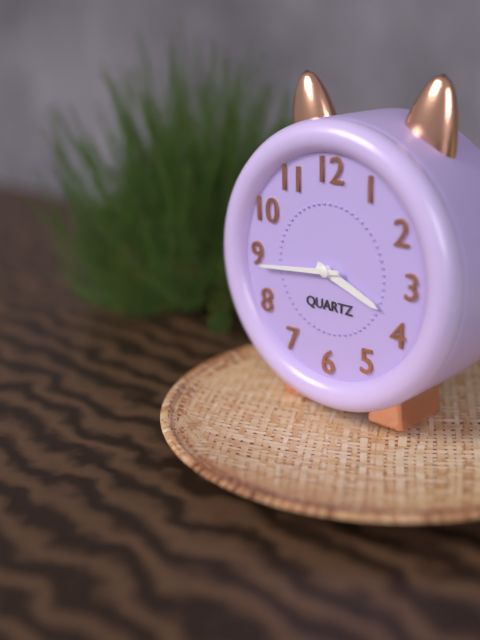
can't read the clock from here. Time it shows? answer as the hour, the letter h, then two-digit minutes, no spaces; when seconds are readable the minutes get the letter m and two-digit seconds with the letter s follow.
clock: 3h44
